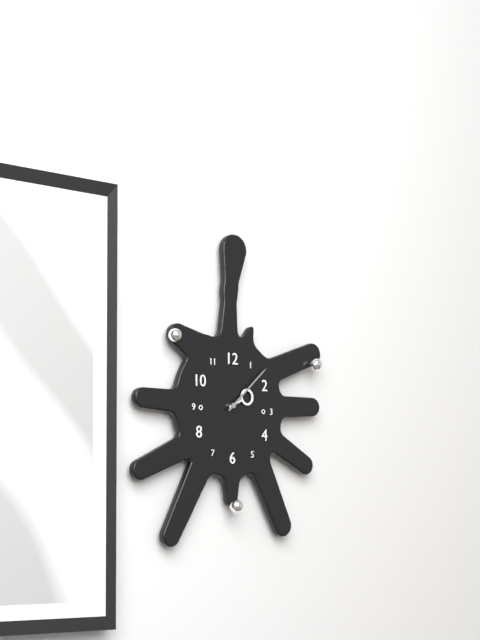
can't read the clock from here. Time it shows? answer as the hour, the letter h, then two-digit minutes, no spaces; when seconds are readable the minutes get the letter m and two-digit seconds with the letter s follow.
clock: 2h08
